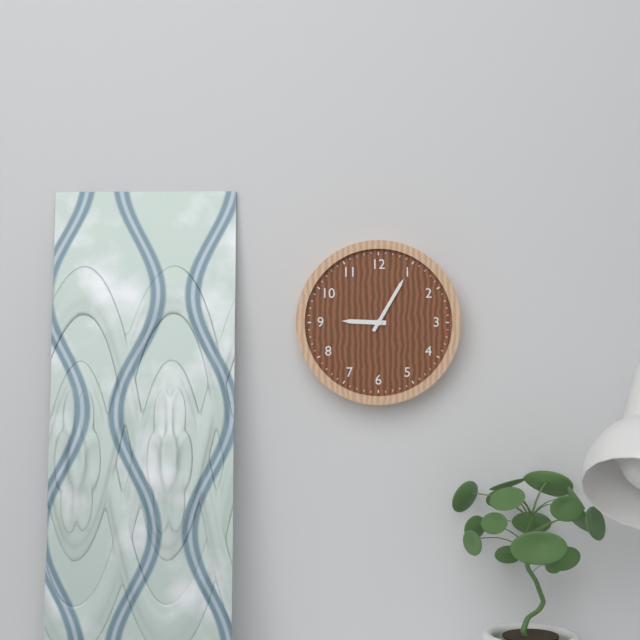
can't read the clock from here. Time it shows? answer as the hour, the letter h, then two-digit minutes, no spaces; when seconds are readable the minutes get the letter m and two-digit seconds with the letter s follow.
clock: 9h05
